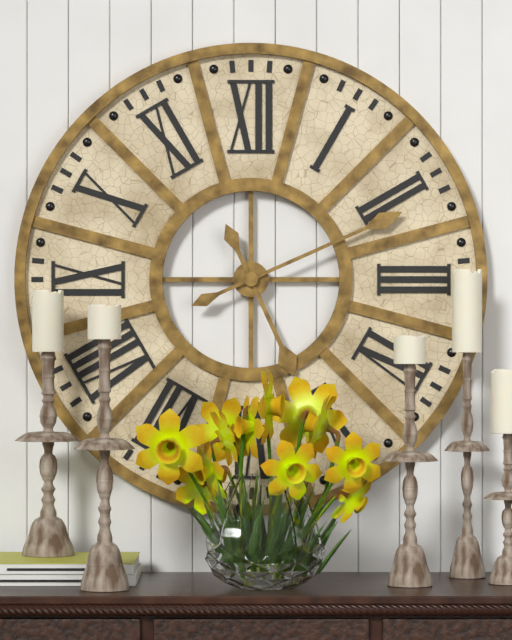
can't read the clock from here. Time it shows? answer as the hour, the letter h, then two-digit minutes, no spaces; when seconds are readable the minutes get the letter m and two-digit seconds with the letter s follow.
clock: 5h11
